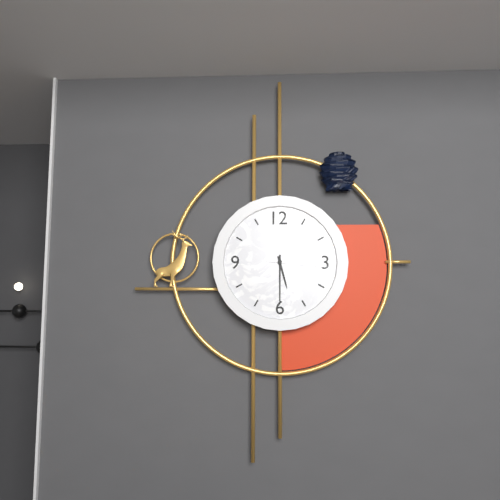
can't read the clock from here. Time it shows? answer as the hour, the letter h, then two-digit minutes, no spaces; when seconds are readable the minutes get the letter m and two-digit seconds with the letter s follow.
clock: 5h30m16s
